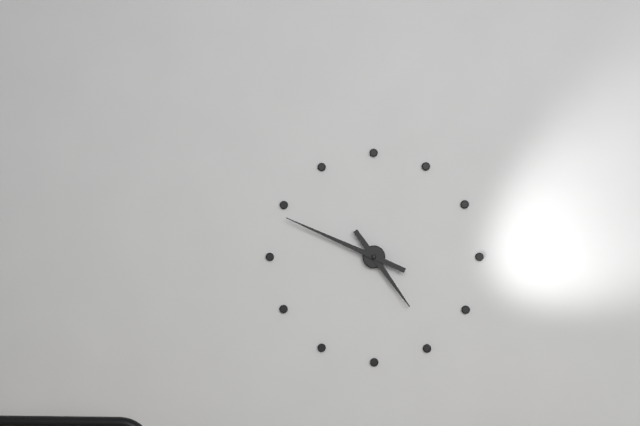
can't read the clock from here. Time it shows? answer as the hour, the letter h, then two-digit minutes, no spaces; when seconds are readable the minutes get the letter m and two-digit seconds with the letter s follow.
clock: 4h49
